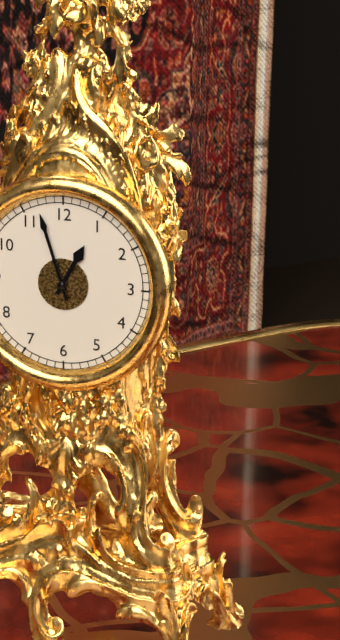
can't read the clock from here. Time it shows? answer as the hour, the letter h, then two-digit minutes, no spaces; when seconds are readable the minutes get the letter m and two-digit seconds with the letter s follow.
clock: 12h57
